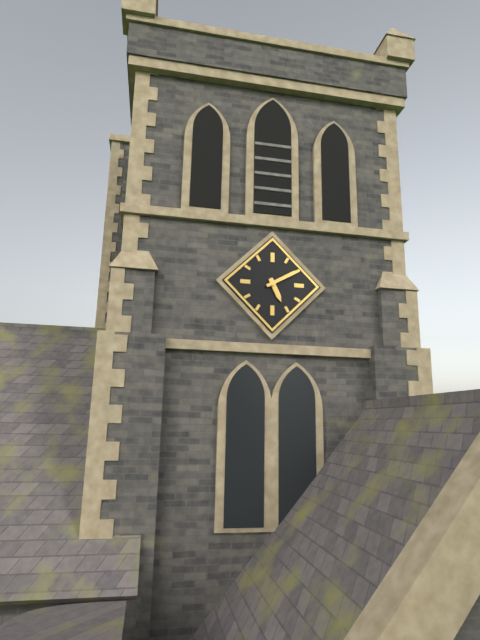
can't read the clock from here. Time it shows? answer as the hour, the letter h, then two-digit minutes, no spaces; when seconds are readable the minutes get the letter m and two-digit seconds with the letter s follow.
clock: 5h10
